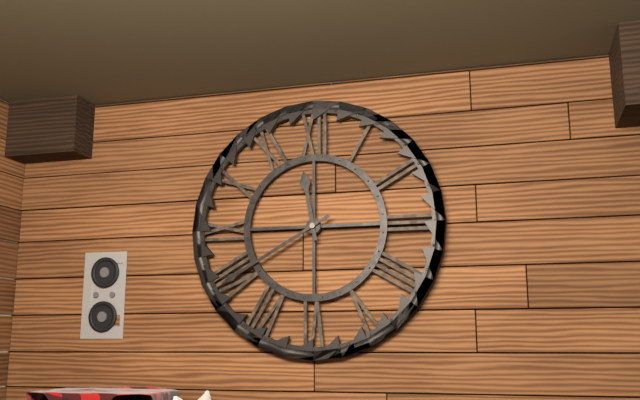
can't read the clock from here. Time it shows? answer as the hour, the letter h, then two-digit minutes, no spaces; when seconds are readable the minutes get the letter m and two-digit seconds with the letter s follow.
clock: 11h40
